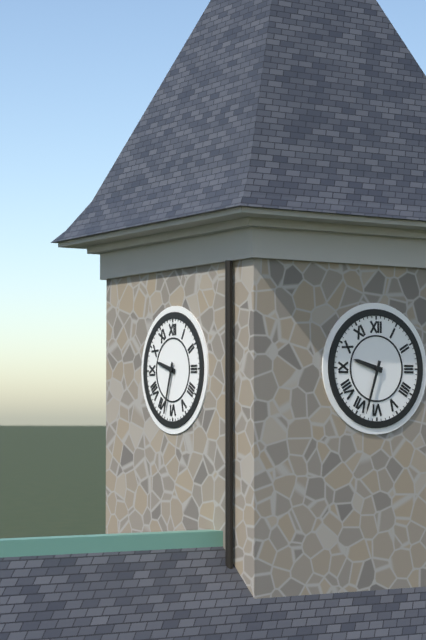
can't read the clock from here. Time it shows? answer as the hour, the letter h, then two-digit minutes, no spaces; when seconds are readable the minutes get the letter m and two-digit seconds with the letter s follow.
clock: 9h33
